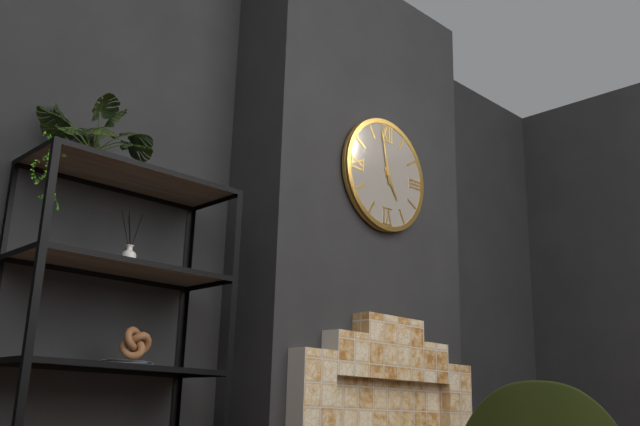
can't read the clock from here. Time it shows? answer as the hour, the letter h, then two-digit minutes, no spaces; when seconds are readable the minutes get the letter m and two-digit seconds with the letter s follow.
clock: 4h58
